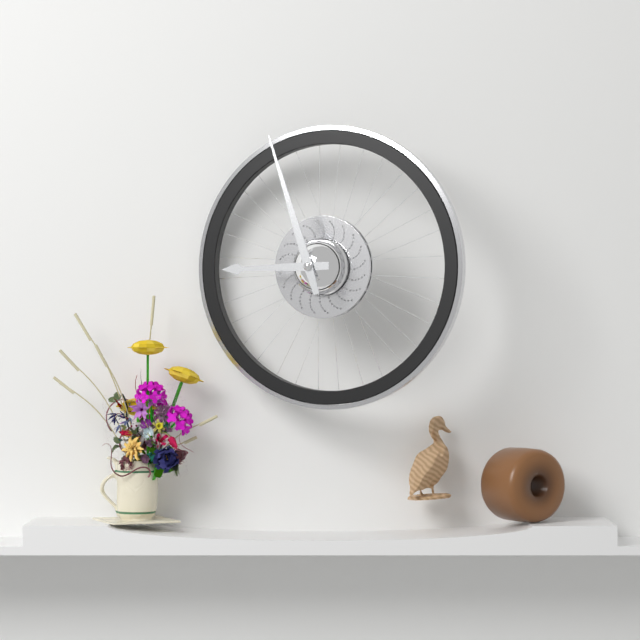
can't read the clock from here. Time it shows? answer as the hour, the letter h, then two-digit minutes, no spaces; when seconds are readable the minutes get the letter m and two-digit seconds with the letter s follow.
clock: 8h57
